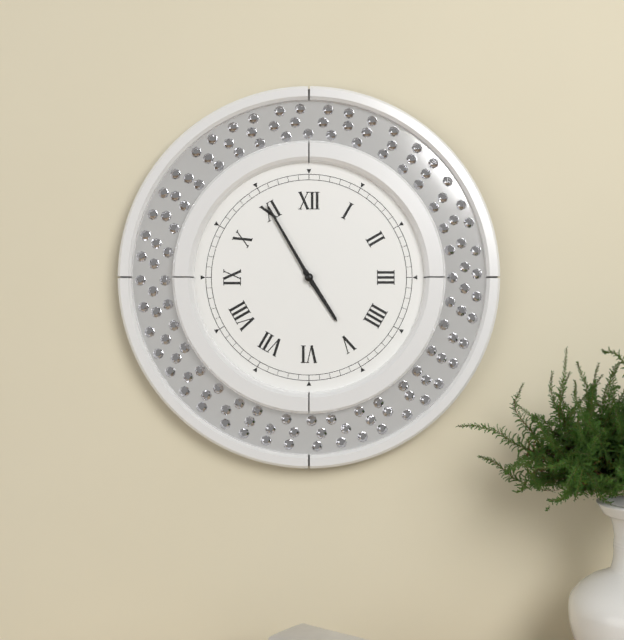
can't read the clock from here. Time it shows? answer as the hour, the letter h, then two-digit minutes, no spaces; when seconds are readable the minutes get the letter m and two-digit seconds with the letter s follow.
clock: 4h55
